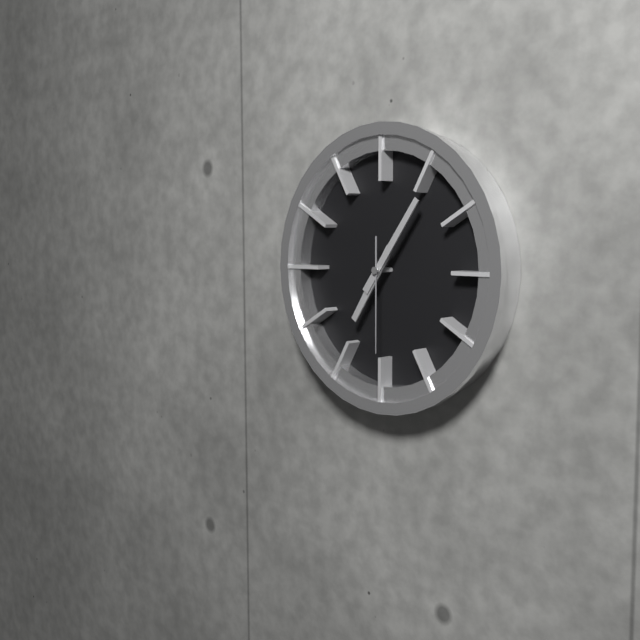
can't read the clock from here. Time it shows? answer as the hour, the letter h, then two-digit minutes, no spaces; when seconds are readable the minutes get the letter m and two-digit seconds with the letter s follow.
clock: 7h06m30s
